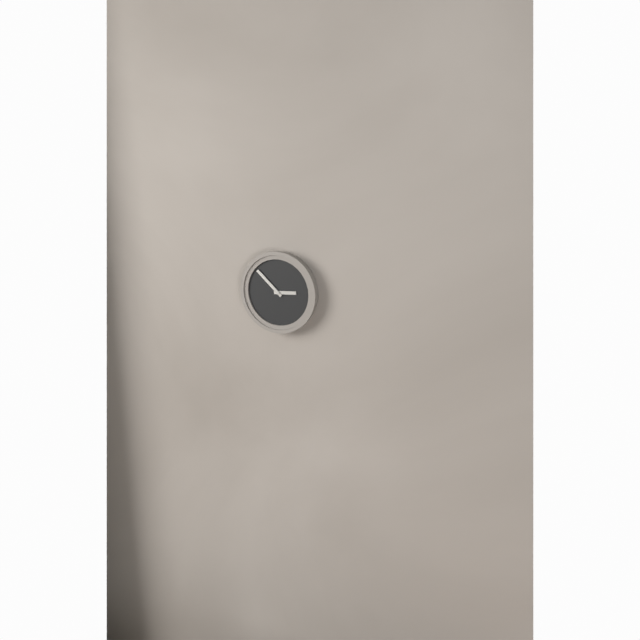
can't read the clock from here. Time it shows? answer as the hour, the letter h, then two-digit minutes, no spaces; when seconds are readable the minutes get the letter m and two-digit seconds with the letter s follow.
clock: 2h52
